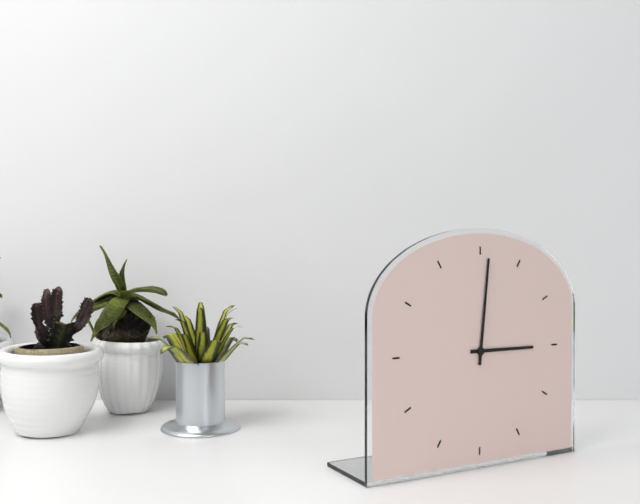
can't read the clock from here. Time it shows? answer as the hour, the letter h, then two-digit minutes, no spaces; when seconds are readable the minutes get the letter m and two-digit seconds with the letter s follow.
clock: 3h01
